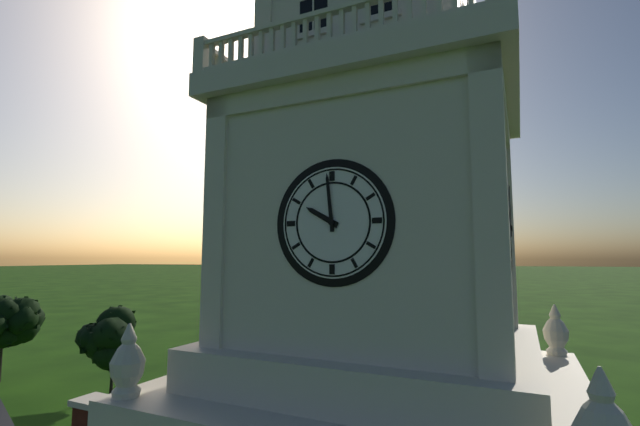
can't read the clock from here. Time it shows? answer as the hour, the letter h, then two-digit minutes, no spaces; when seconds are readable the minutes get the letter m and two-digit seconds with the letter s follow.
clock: 9h59
